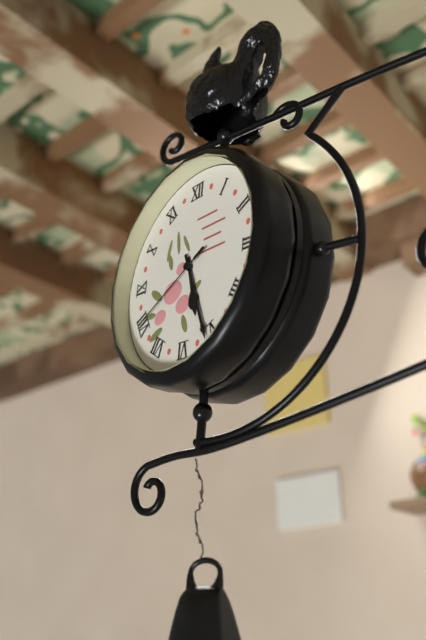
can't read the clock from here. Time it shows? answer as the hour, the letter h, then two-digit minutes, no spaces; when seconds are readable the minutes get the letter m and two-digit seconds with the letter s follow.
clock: 5h26m40s
